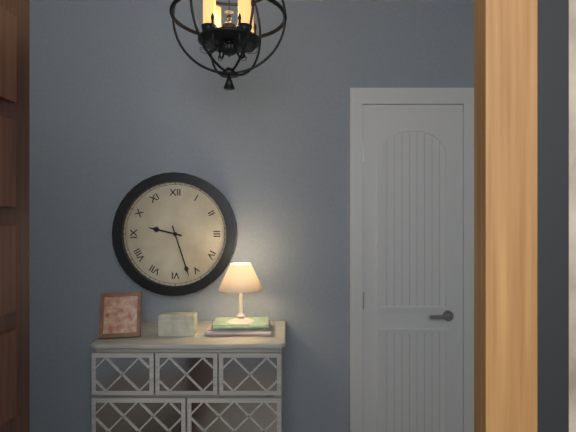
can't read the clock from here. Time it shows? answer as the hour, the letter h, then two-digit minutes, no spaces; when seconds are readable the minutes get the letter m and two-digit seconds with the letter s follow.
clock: 9h27
